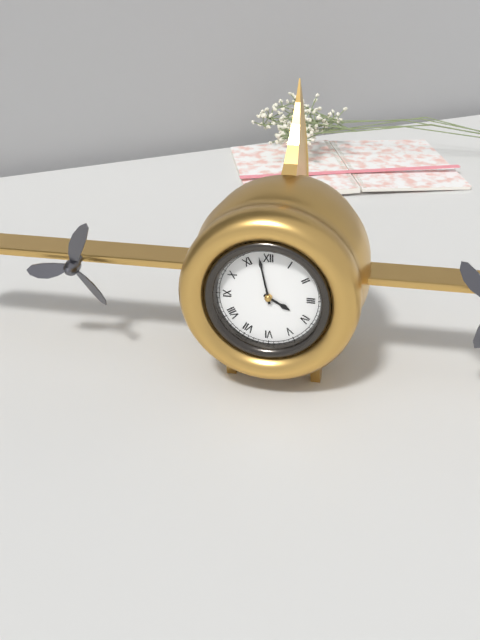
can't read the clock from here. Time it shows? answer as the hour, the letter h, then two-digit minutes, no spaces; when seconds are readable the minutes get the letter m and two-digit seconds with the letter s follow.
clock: 3h58
